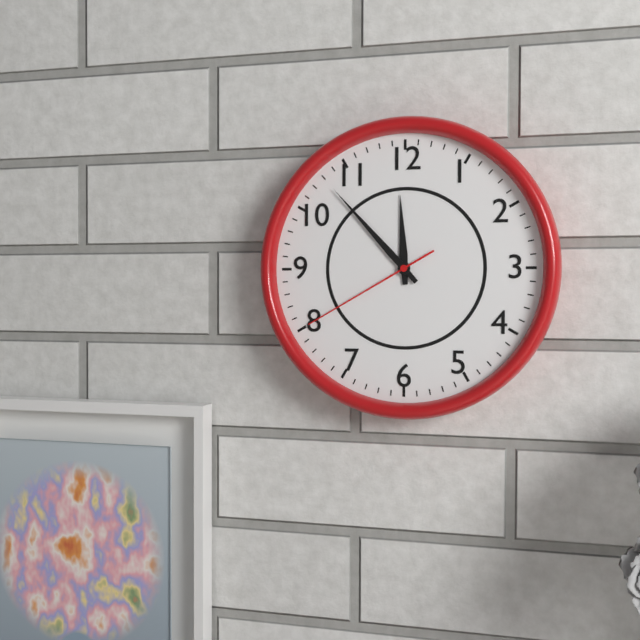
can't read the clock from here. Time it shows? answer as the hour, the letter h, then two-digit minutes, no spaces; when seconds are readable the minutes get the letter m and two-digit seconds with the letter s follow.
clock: 11h53m40s
